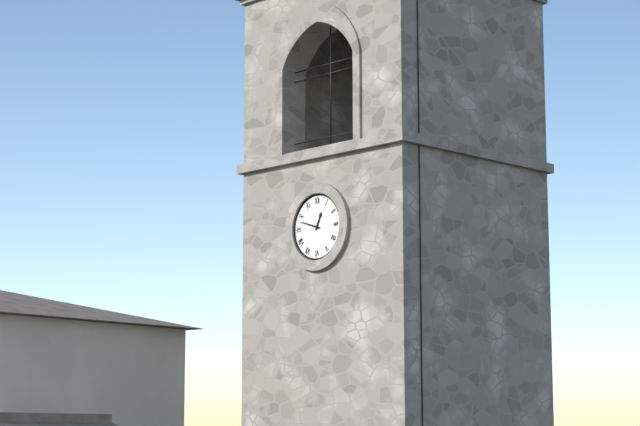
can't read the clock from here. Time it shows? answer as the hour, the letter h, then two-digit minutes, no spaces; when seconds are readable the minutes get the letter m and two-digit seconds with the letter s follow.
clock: 12h48
